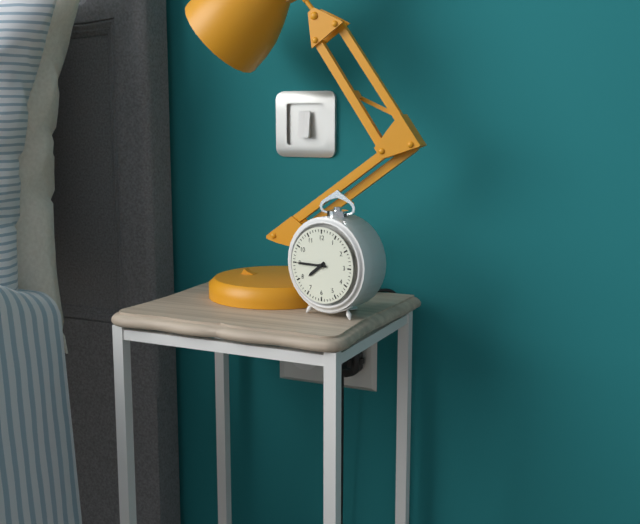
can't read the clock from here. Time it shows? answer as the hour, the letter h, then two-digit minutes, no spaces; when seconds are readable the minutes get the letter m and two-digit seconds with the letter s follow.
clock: 7h45
